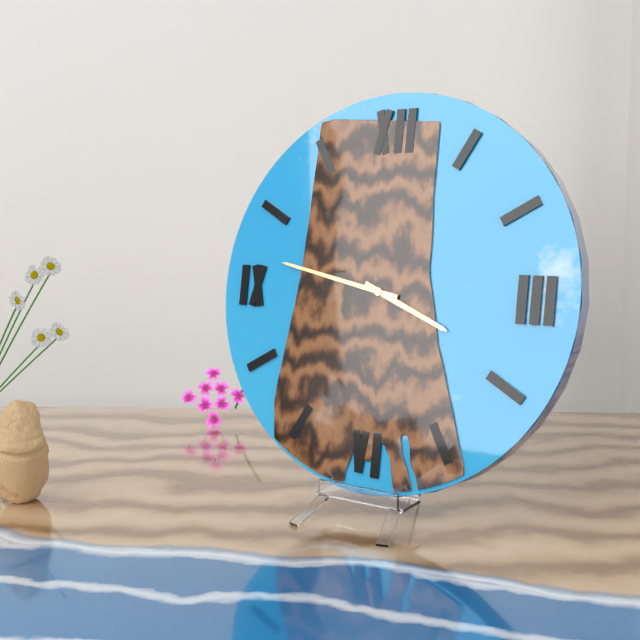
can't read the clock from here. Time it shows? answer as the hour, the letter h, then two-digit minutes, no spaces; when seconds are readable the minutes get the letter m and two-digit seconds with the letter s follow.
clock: 3h47
